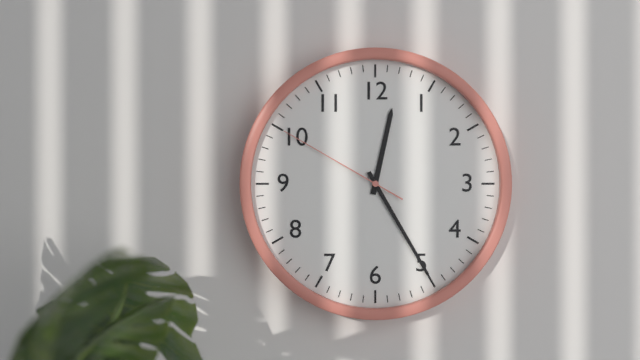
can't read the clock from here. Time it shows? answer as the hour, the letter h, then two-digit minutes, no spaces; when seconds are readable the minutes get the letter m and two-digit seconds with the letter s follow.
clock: 12h25m50s
